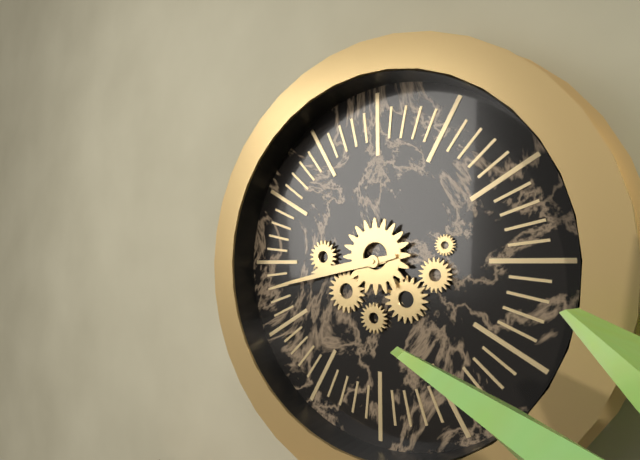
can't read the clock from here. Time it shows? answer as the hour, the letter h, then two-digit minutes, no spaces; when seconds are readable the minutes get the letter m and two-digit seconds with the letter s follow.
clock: 8h43
